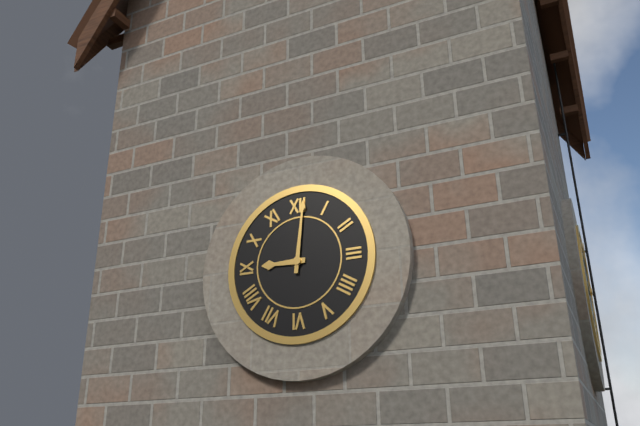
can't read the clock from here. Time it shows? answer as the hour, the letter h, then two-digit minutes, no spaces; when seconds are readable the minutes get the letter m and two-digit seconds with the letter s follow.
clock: 9h01
